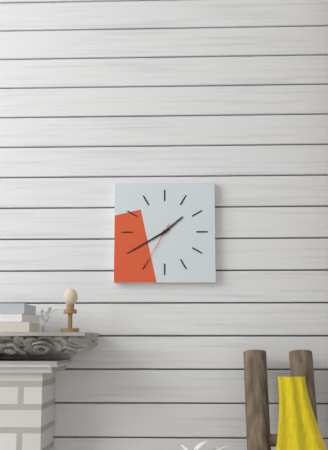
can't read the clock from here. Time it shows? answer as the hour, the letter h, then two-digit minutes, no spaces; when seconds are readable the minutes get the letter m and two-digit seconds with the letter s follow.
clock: 1h40
